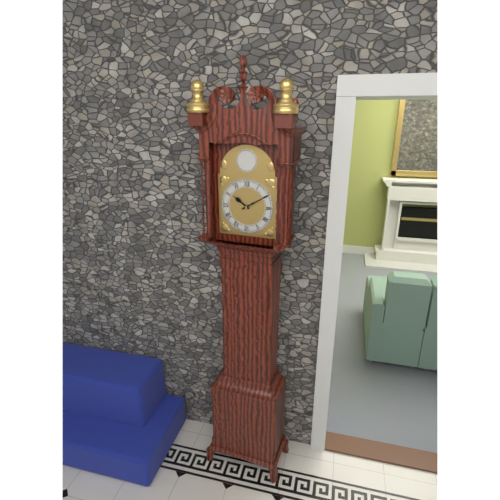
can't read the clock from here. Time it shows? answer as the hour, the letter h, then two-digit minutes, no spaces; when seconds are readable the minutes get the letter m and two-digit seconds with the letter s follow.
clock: 10h10
